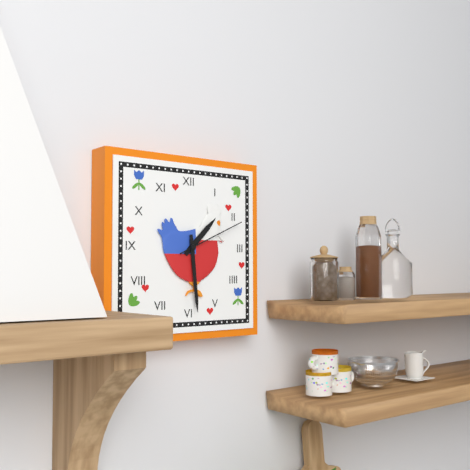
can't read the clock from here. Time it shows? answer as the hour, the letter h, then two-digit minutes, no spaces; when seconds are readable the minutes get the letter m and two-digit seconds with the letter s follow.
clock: 1h29m11s
